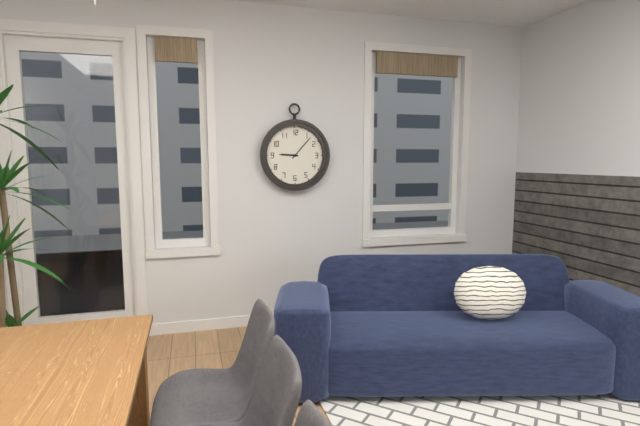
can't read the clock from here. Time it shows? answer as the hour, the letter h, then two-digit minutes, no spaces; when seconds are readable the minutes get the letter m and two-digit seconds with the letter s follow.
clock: 9h07
